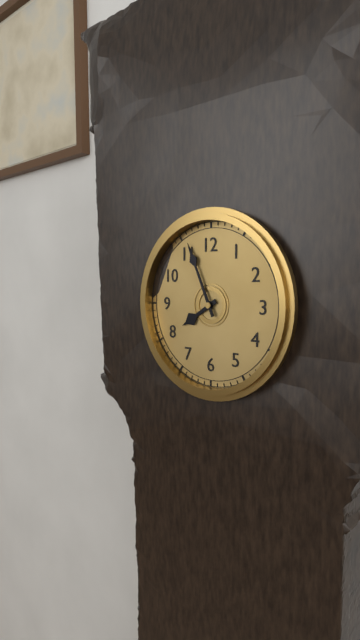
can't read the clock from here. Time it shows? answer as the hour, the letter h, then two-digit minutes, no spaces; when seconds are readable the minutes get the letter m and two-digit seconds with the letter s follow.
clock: 7h56
